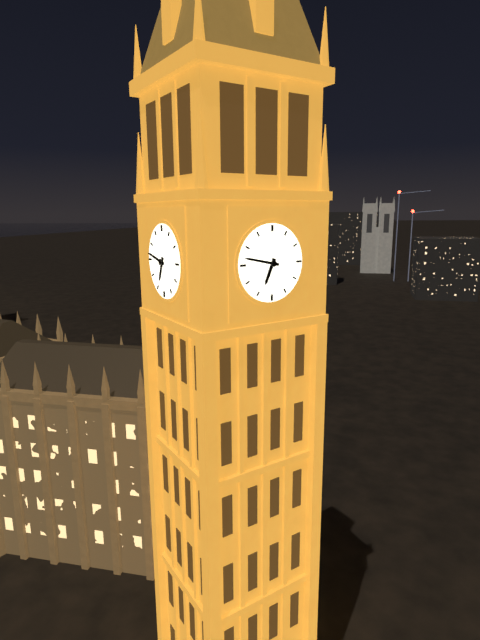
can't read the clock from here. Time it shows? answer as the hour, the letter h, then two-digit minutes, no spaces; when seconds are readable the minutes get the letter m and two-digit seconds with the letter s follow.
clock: 6h47
